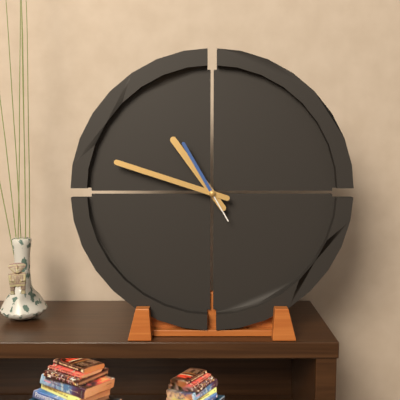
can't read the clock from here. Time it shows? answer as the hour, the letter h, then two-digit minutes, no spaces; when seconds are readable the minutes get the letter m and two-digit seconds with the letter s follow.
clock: 10h48m55s
